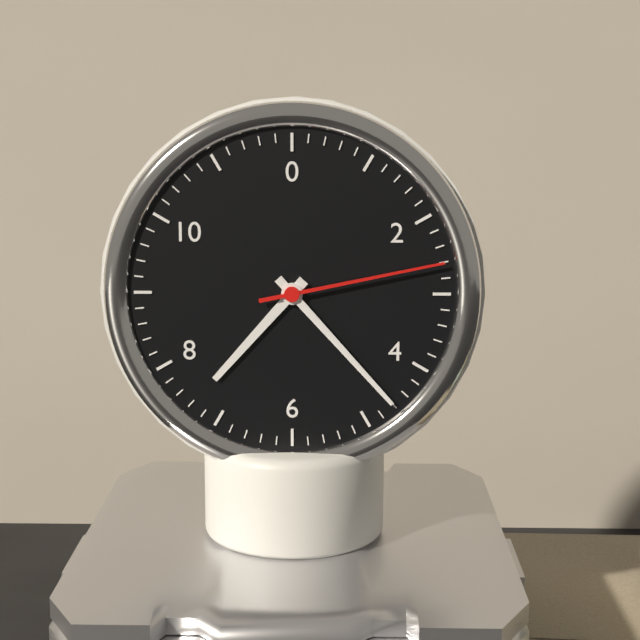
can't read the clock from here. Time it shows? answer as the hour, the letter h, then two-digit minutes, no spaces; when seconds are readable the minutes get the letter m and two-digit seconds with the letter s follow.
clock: 7h23m13s
